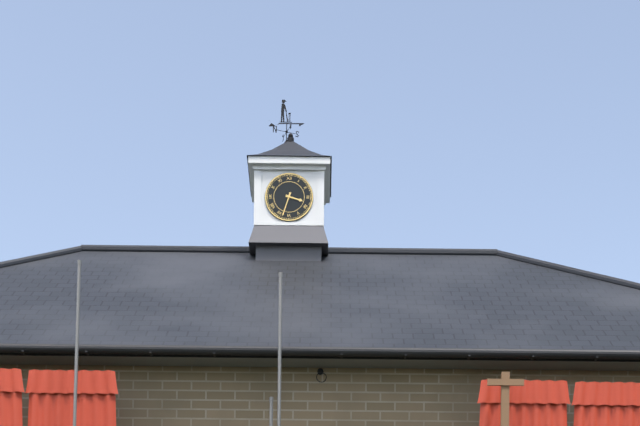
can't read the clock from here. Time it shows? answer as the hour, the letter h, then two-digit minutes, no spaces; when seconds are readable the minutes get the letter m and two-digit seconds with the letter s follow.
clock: 3h33
